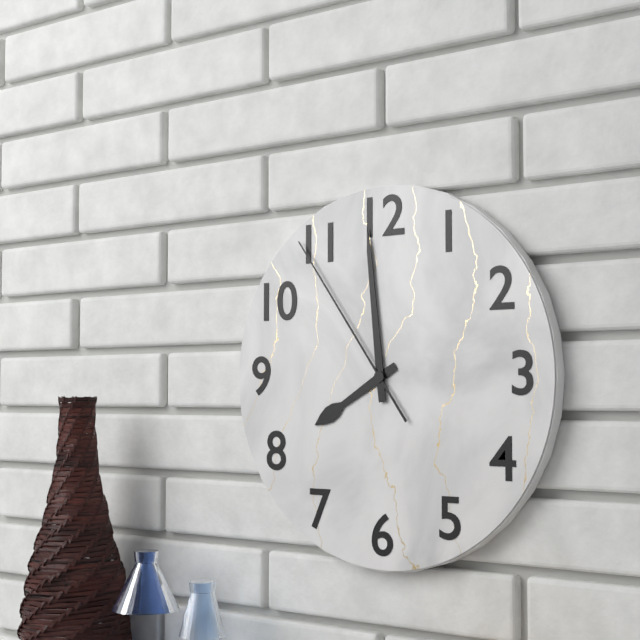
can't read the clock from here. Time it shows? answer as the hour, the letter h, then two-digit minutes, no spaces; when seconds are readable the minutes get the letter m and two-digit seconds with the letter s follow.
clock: 7h59m54s
